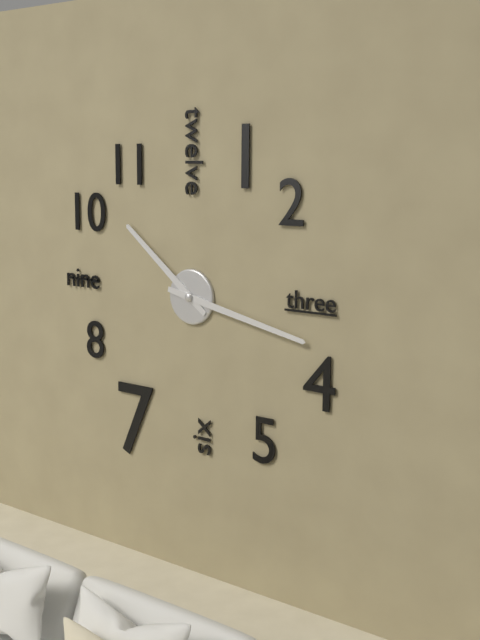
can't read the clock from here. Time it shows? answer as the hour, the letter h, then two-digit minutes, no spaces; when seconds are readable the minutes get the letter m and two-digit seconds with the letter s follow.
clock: 10h17
